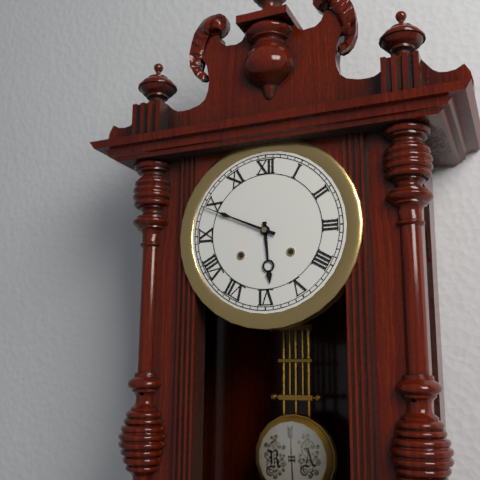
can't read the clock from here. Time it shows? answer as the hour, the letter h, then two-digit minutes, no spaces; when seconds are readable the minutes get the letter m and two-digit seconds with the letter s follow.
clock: 5h49
